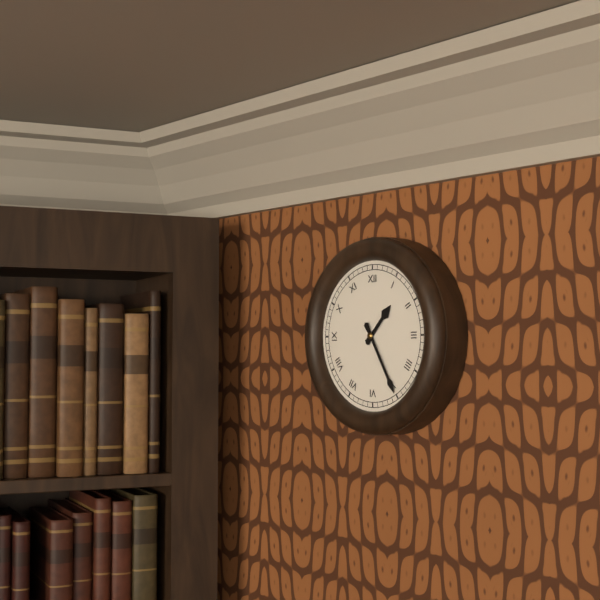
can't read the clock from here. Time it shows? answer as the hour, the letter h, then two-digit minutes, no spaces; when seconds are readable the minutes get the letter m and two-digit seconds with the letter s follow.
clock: 1h25
